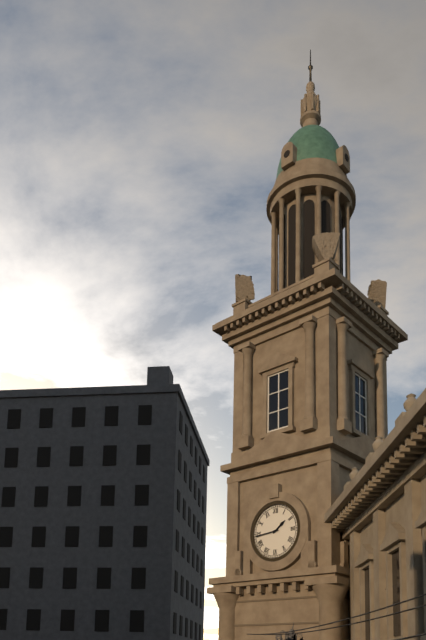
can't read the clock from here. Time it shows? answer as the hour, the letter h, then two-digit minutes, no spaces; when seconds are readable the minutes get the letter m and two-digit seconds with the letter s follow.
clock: 1h44
